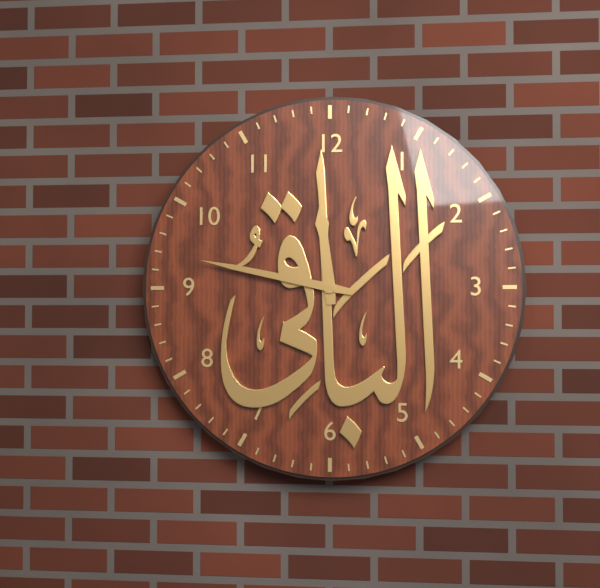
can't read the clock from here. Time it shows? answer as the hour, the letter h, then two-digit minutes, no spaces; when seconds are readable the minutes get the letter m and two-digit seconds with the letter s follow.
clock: 11h47
